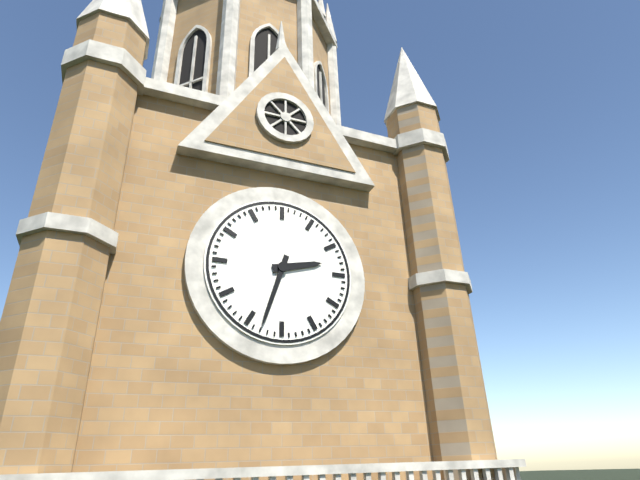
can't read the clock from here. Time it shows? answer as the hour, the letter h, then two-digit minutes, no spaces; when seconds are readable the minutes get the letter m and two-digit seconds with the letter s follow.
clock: 2h33
